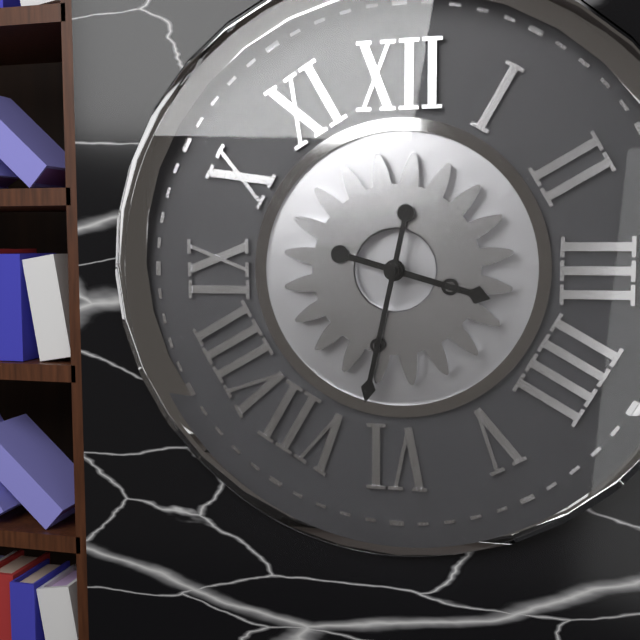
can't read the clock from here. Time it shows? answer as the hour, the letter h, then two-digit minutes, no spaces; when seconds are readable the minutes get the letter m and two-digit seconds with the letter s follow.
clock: 3h32
